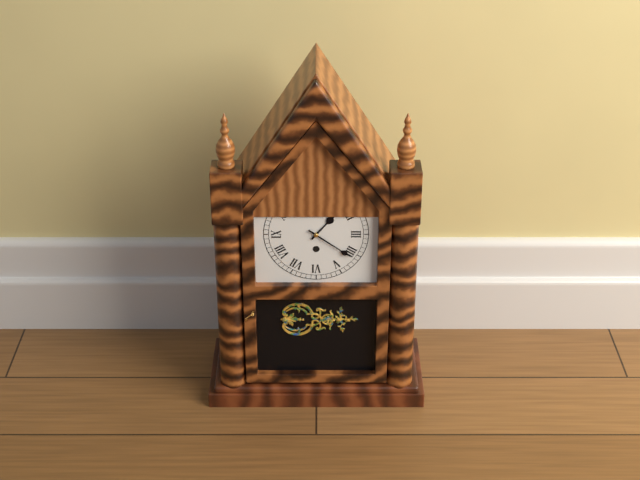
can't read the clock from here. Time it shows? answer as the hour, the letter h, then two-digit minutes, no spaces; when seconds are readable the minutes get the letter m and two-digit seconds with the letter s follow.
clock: 1h21
